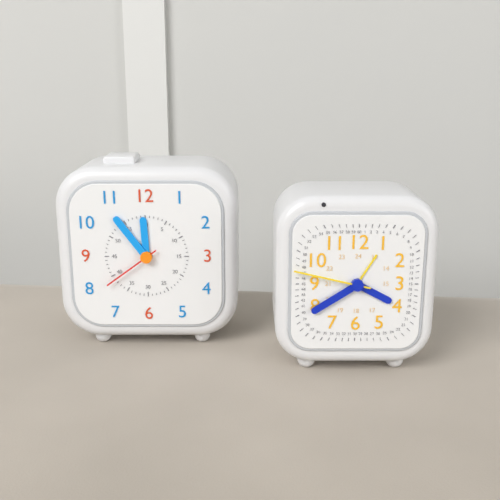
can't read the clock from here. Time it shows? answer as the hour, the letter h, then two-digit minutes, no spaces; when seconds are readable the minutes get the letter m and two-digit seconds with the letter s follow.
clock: 11h54m39s
